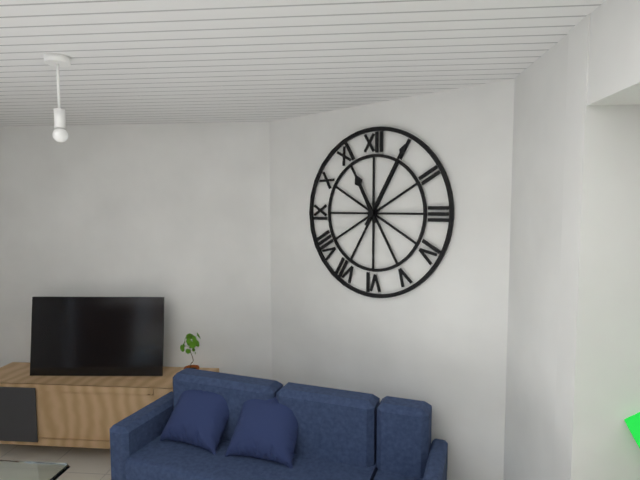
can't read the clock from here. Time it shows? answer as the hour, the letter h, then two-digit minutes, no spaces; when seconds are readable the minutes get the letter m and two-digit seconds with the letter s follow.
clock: 11h05
